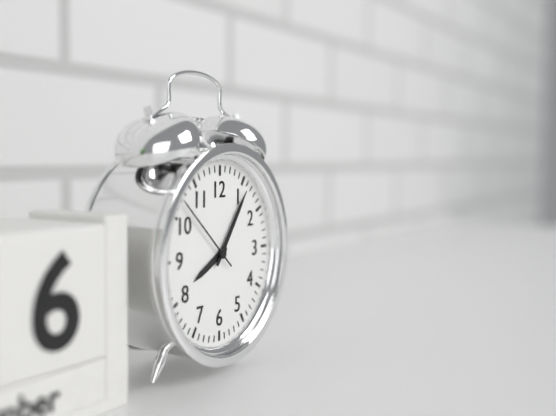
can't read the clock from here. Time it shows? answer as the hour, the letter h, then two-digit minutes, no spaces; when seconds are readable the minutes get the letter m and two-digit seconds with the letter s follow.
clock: 8h06m52s
